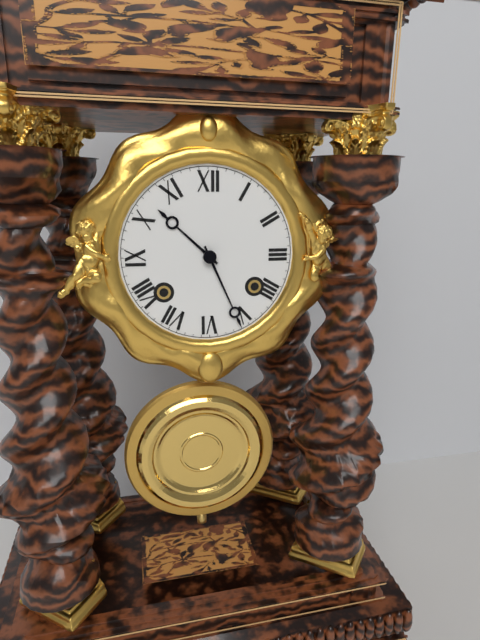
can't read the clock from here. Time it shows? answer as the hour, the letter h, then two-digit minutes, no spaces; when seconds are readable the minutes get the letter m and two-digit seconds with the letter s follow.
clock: 10h26
